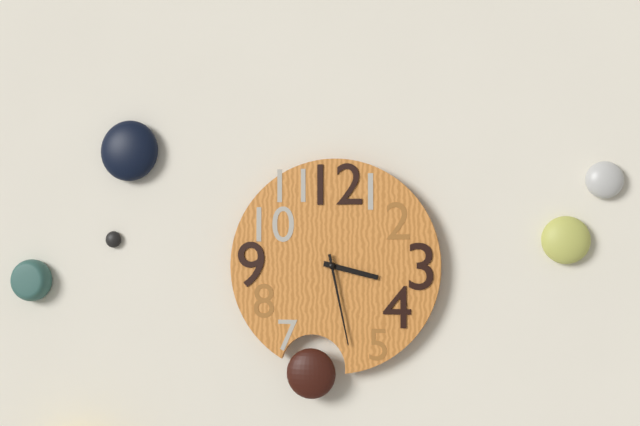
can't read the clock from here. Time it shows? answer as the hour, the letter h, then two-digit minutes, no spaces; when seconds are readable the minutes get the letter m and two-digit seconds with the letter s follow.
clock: 3h28
